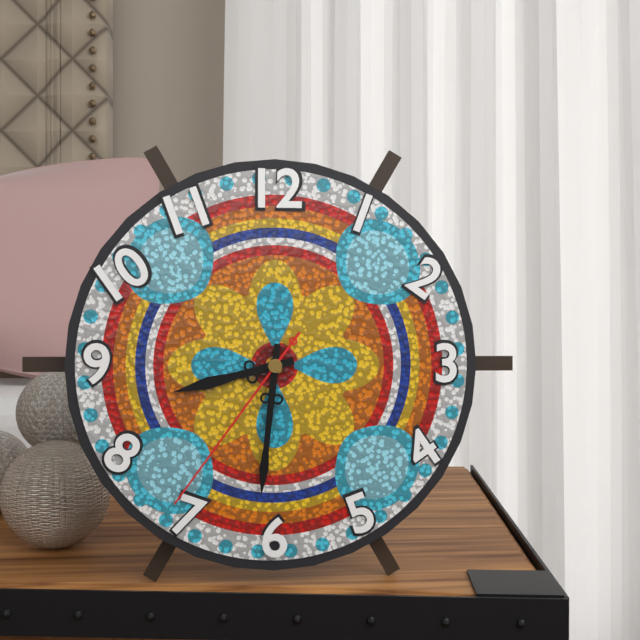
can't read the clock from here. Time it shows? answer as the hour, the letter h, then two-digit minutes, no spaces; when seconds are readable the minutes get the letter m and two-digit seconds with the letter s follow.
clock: 8h31m36s
